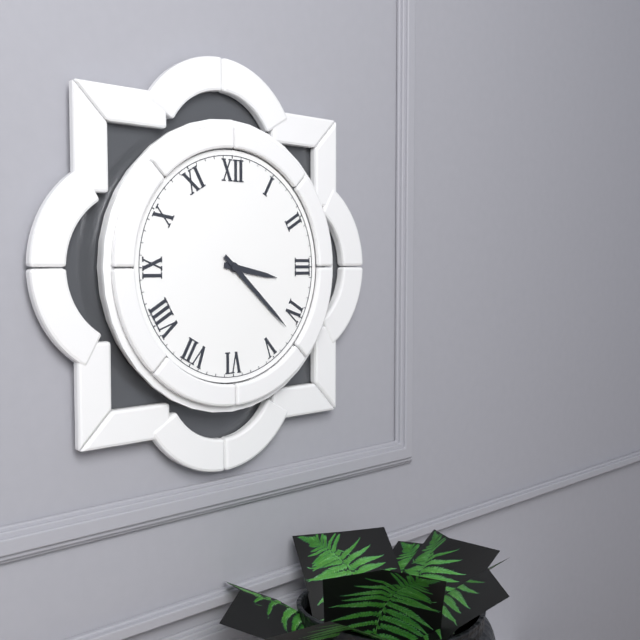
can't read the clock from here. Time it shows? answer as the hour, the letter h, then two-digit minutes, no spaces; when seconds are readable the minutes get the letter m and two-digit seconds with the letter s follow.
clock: 3h22
